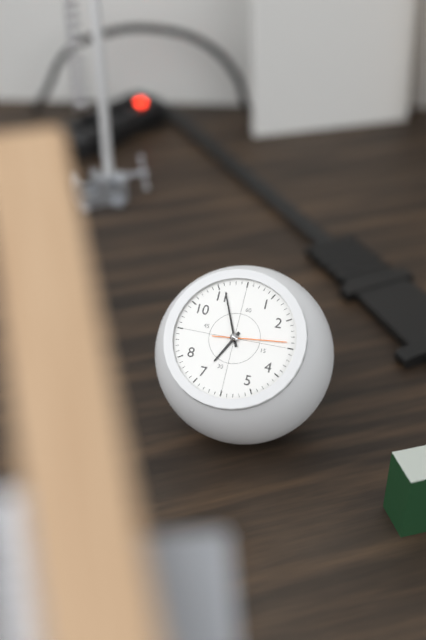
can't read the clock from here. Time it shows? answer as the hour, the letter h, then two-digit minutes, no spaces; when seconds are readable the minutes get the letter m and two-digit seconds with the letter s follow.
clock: 6h56m14s
